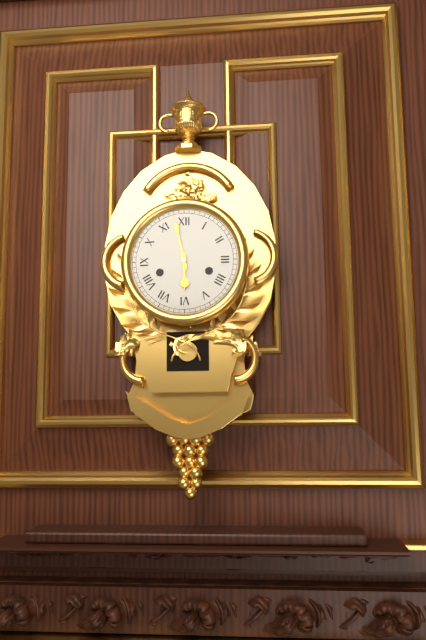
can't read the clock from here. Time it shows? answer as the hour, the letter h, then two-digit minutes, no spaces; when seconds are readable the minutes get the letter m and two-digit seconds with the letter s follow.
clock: 5h58
